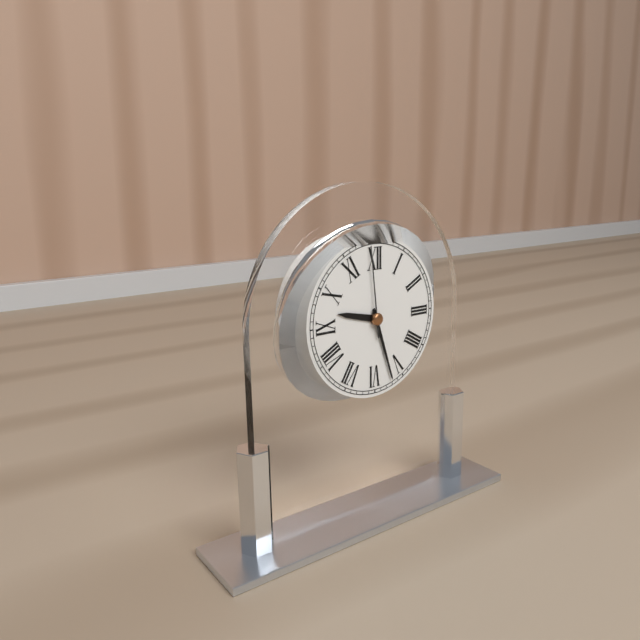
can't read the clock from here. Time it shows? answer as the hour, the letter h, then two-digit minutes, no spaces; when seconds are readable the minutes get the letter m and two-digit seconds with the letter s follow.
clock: 9h27m59s
